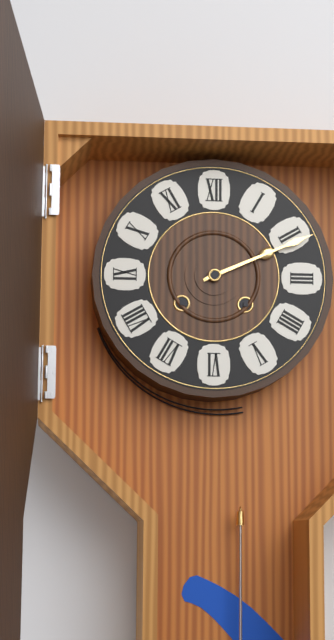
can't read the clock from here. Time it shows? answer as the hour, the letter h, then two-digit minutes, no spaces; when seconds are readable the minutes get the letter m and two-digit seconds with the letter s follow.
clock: 2h11
